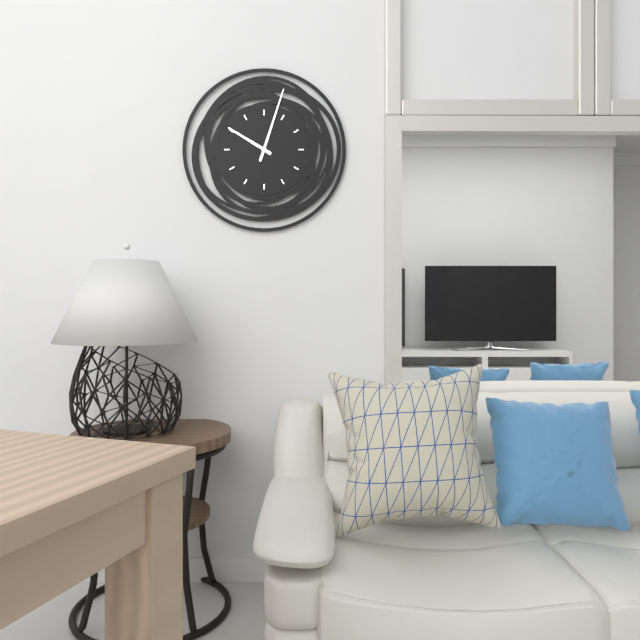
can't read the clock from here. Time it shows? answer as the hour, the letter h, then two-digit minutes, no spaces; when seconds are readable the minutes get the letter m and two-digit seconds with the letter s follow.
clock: 10h03m03s
